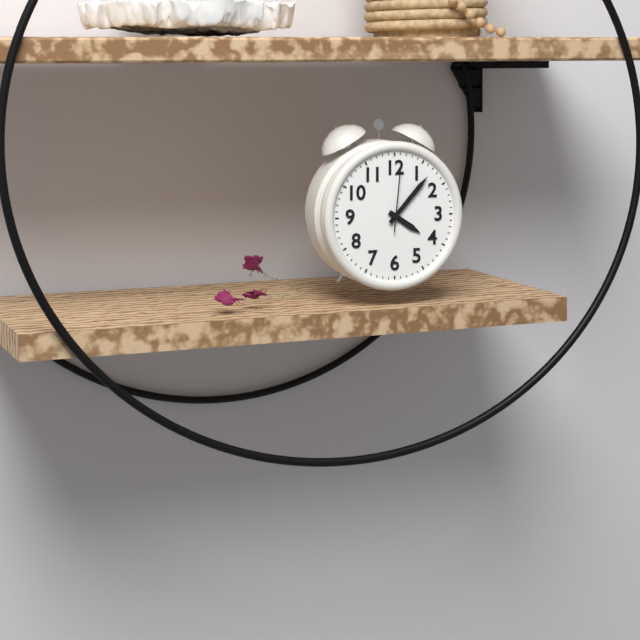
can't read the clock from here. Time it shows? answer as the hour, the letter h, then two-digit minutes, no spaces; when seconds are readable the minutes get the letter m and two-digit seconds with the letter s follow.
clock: 4h07m01s
